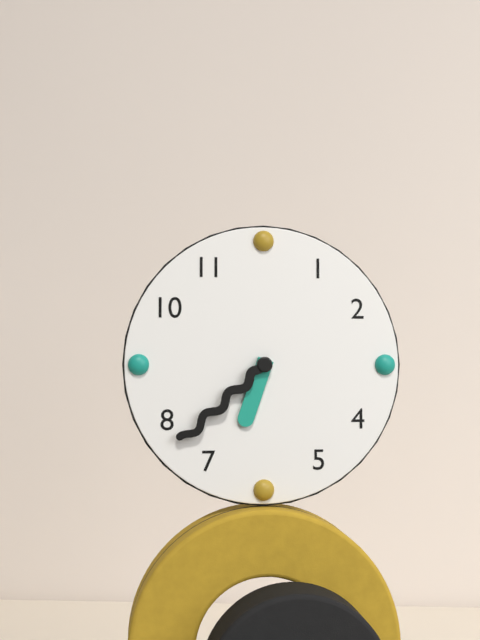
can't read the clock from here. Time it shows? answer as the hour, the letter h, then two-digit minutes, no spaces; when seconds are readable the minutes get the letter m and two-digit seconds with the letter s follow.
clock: 6h38
